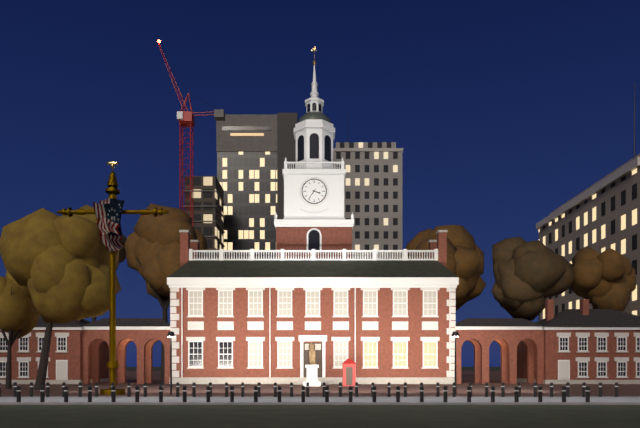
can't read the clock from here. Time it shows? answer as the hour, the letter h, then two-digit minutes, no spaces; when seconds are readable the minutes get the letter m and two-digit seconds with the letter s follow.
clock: 3h36
